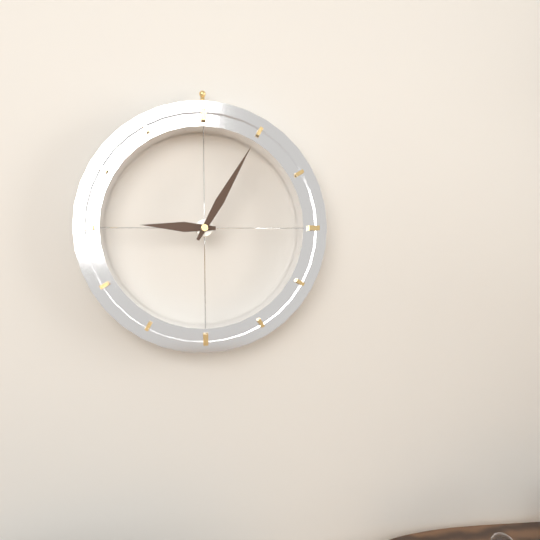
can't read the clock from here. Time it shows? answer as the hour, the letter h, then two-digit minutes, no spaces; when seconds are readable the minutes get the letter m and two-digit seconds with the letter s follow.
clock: 9h05
